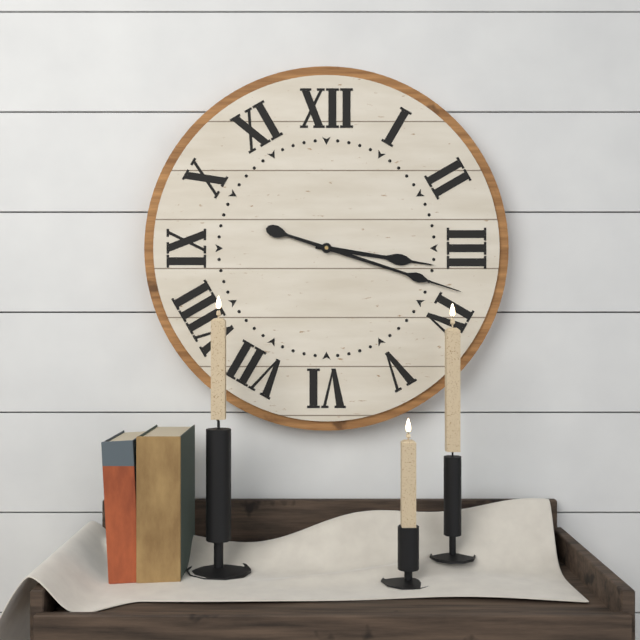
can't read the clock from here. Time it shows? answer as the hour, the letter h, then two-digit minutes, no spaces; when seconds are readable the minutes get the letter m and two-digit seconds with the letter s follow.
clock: 3h18
